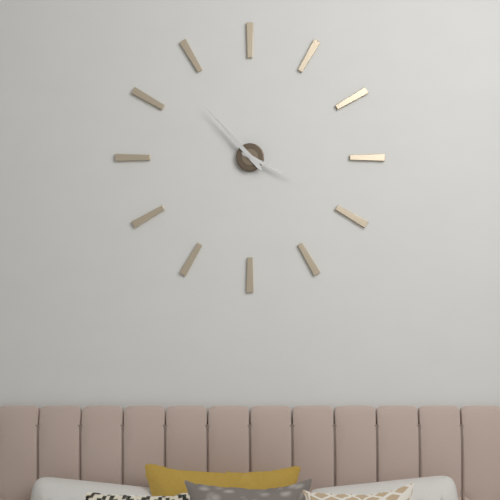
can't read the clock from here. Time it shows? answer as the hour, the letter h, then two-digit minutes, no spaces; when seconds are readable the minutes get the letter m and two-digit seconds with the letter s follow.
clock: 3h53
